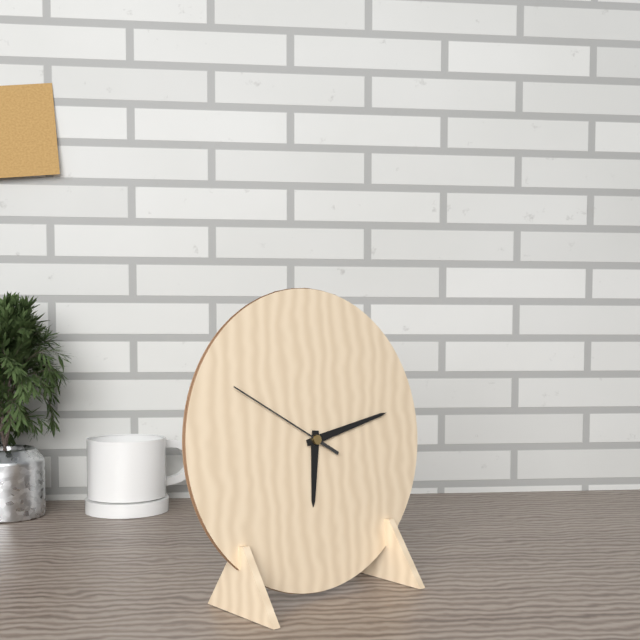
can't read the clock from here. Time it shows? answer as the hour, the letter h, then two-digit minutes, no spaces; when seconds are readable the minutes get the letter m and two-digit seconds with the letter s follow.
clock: 6h13m50s
